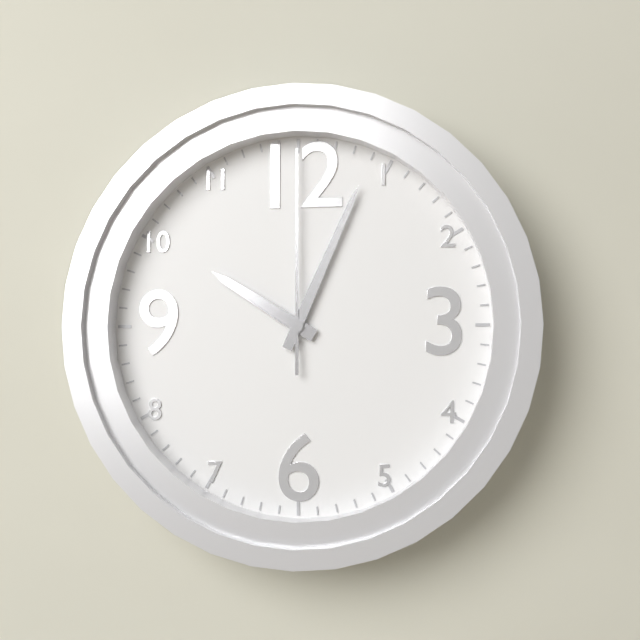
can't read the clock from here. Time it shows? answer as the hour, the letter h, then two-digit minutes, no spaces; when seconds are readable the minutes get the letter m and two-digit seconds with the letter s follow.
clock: 10h04m00s
